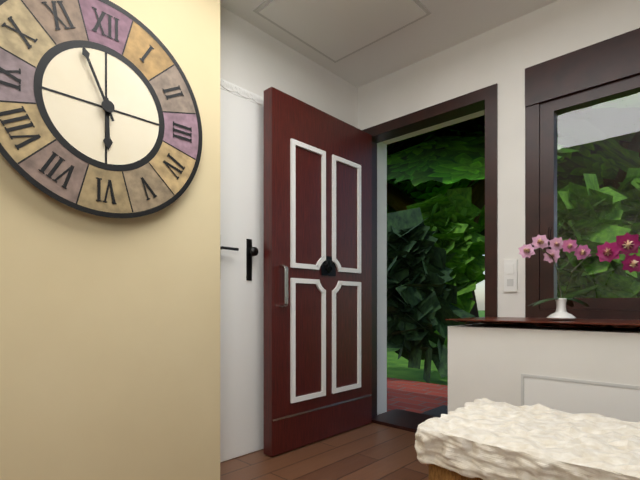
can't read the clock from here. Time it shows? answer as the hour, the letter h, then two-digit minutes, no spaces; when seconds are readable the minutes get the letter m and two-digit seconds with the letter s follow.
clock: 5h56
